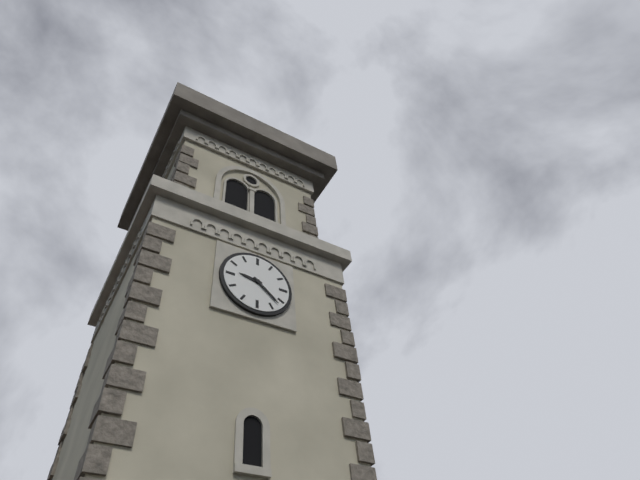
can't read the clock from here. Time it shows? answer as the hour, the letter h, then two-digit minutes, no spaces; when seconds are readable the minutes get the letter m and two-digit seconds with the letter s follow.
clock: 9h22
